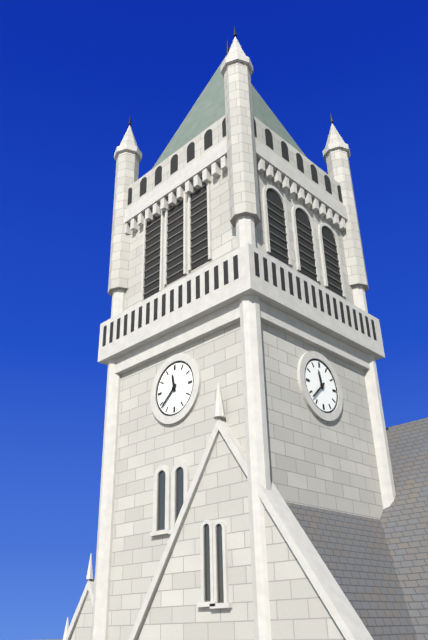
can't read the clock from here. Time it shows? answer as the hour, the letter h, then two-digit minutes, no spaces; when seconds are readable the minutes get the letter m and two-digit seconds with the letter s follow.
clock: 11h38
